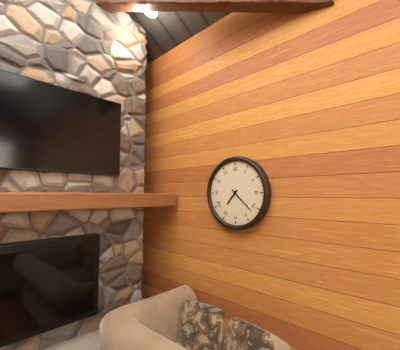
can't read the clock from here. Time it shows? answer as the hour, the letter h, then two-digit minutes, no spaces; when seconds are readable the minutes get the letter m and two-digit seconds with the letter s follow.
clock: 7h22
